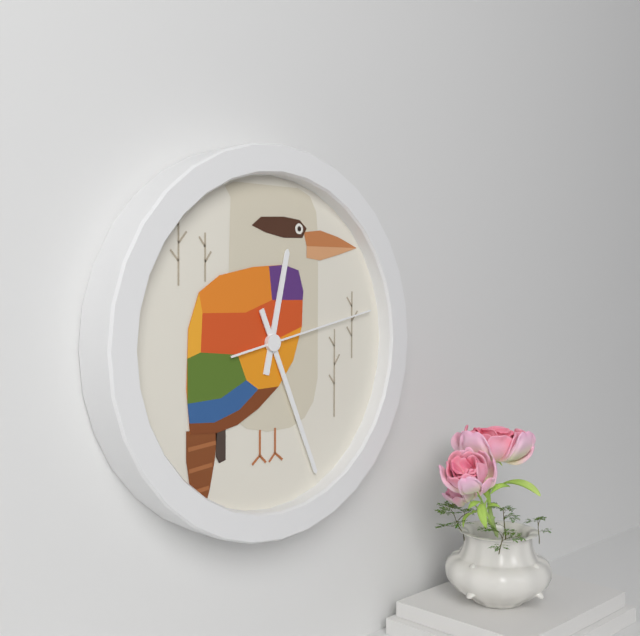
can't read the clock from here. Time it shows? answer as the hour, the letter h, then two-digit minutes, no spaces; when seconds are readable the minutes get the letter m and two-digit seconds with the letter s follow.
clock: 12h26m13s
